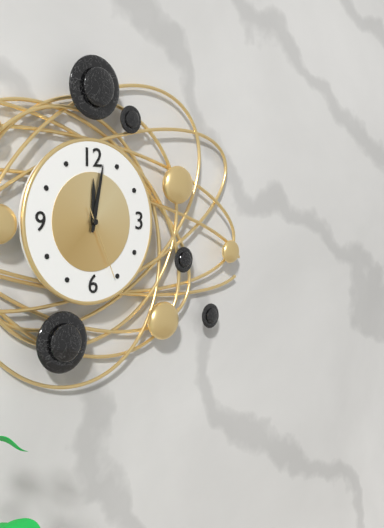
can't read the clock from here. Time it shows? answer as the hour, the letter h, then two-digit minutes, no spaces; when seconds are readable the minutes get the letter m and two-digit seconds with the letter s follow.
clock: 12h02m26s
